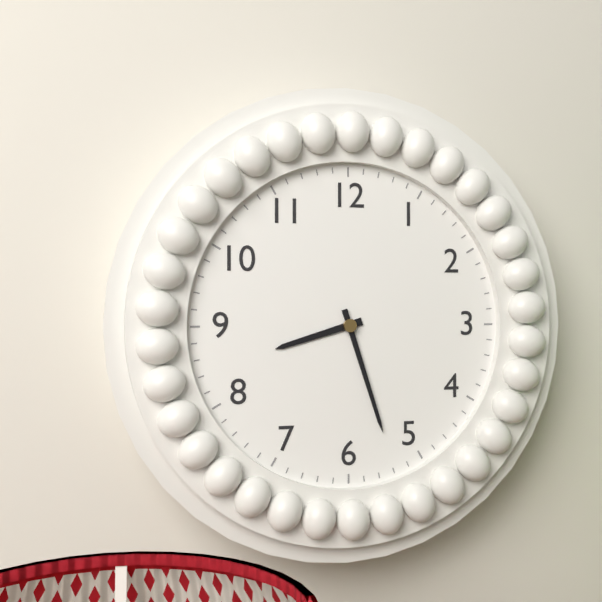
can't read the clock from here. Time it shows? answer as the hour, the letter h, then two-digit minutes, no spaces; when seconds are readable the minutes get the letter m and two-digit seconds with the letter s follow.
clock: 8h27
